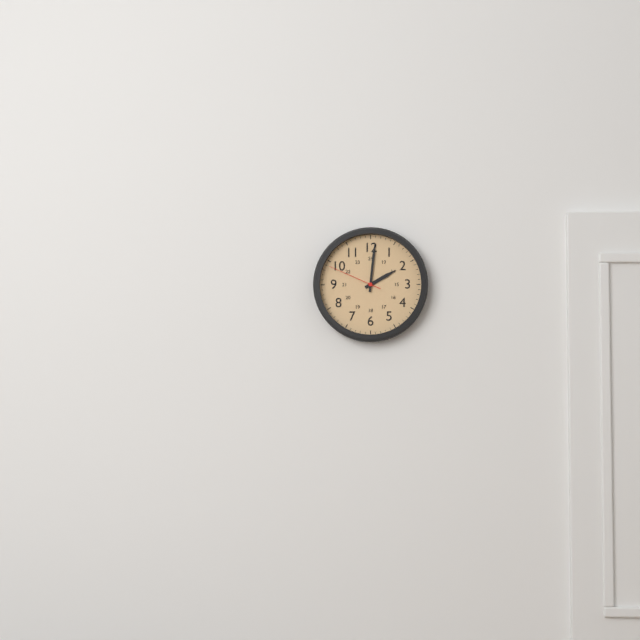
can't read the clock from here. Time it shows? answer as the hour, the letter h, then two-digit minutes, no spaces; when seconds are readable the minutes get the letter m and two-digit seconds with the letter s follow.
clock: 2h01m49s
